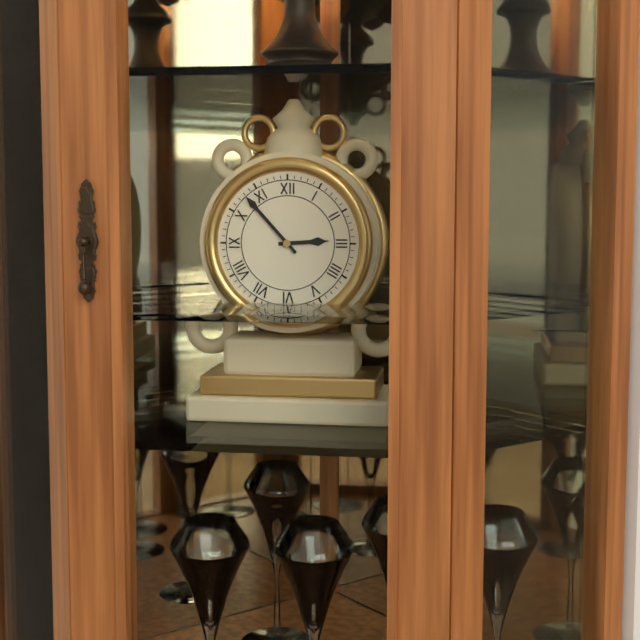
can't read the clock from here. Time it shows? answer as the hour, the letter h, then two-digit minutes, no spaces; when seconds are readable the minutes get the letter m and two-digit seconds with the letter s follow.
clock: 2h53
